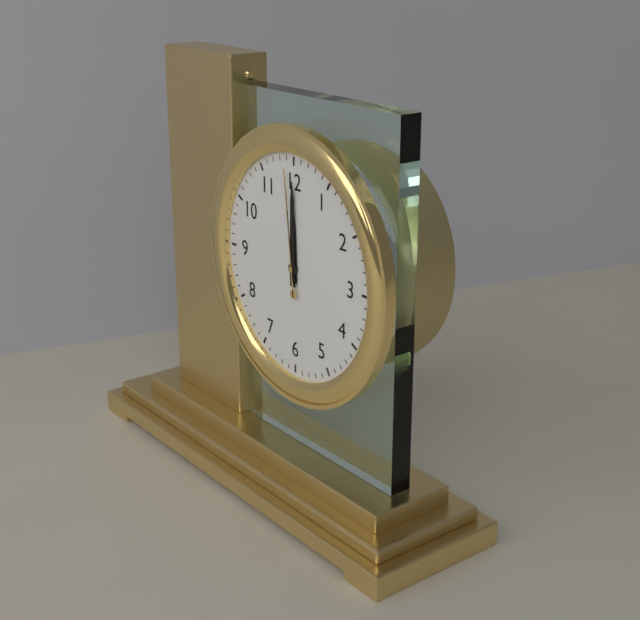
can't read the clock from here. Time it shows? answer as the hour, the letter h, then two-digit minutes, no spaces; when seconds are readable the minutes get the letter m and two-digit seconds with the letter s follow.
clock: 12h00m59s
